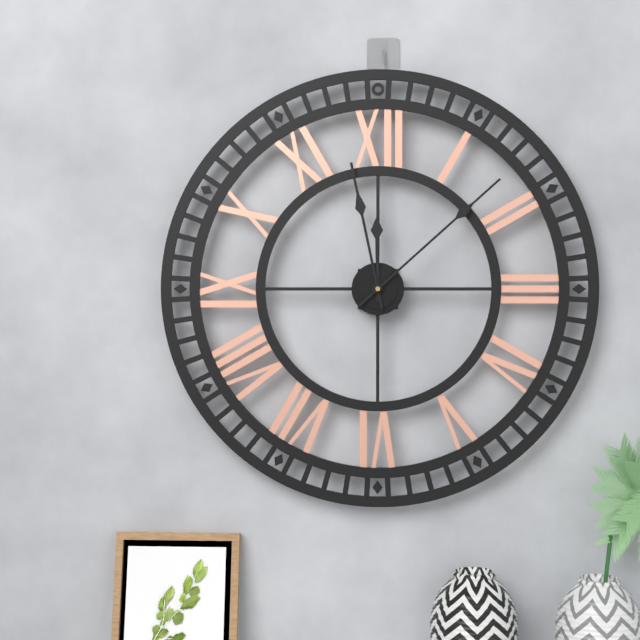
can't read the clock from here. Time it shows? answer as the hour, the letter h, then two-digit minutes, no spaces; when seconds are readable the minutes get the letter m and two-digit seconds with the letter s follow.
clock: 11h58m08s
